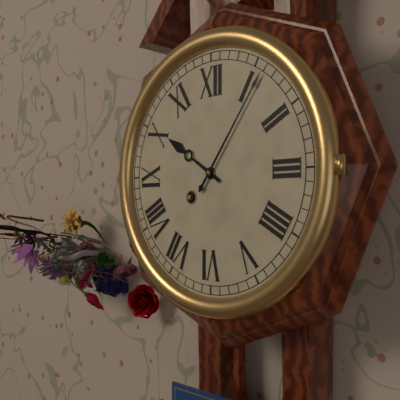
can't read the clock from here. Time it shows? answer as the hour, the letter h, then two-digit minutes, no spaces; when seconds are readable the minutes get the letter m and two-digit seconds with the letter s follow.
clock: 10h06
